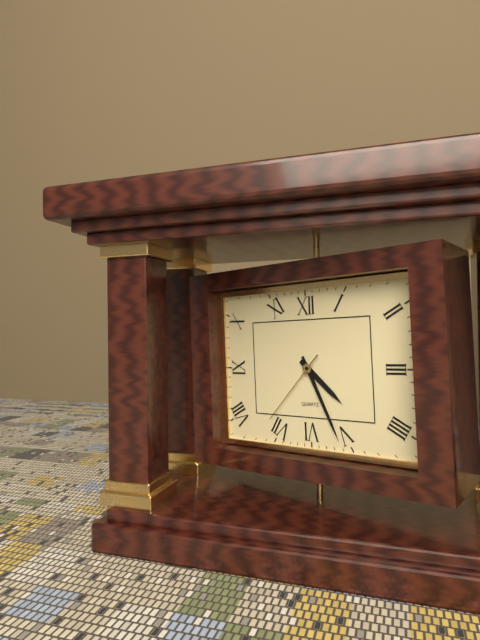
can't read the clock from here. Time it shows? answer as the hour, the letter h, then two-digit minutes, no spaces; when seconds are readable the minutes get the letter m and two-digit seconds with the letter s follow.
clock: 4h26m37s
